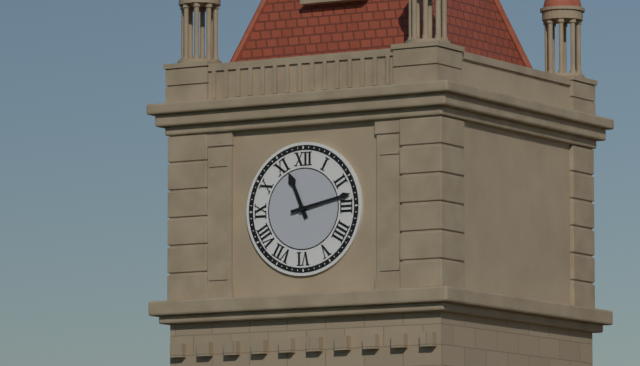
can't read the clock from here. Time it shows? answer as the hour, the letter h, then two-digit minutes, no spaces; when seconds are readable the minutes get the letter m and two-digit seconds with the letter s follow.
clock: 11h13
